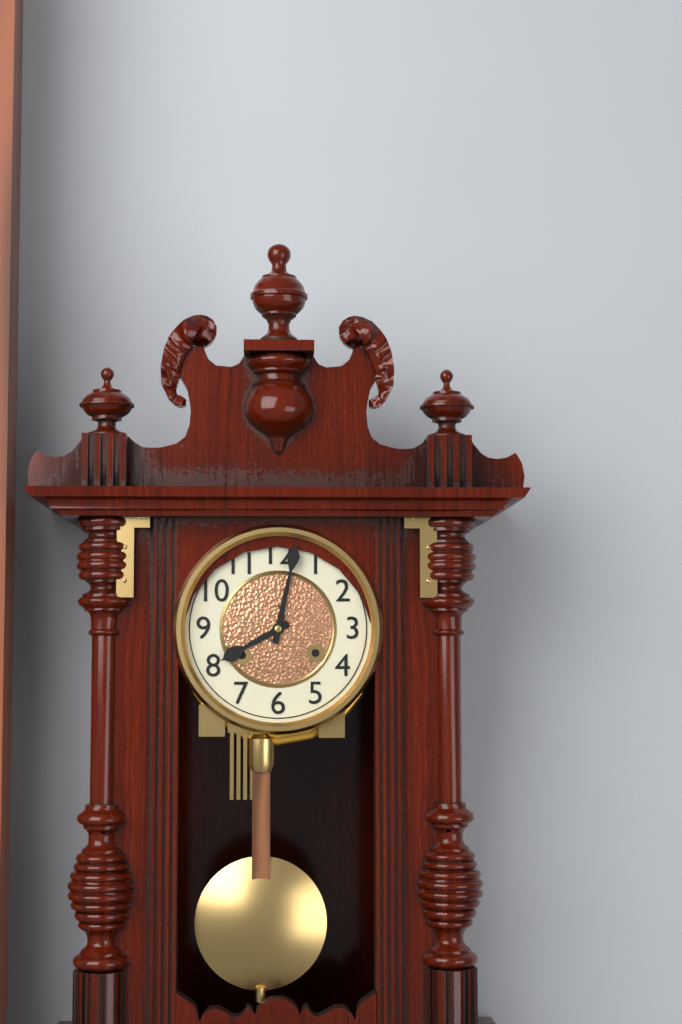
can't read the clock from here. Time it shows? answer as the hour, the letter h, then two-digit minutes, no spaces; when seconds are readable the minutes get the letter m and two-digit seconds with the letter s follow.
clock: 8h02
